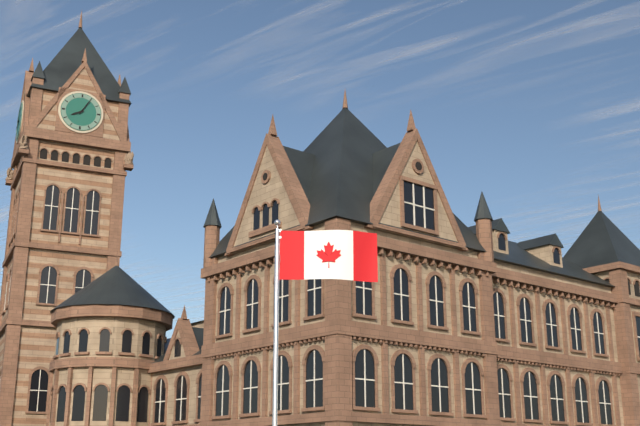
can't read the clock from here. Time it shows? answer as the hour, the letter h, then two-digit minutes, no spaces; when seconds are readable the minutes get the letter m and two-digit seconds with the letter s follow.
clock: 8h05
